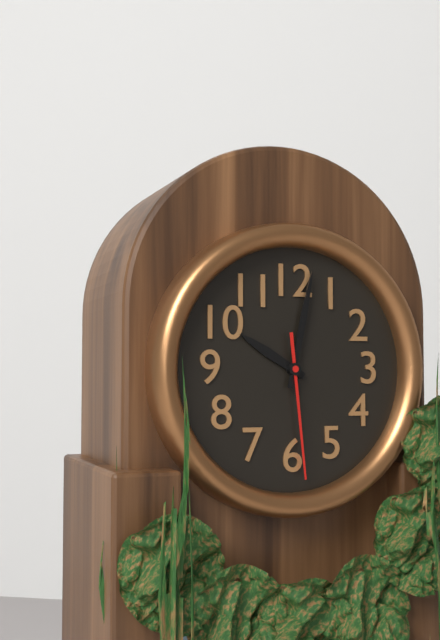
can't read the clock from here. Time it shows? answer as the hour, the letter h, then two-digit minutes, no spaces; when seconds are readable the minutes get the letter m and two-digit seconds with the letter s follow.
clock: 10h02m29s
